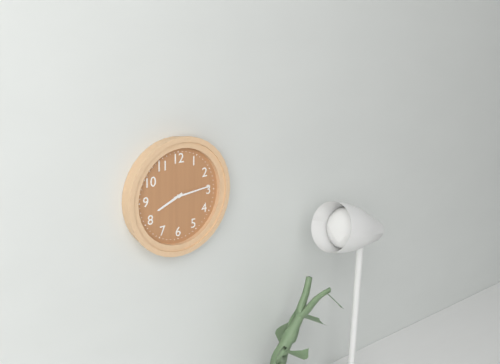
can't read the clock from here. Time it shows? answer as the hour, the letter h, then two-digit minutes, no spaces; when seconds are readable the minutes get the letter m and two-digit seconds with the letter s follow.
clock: 8h14
